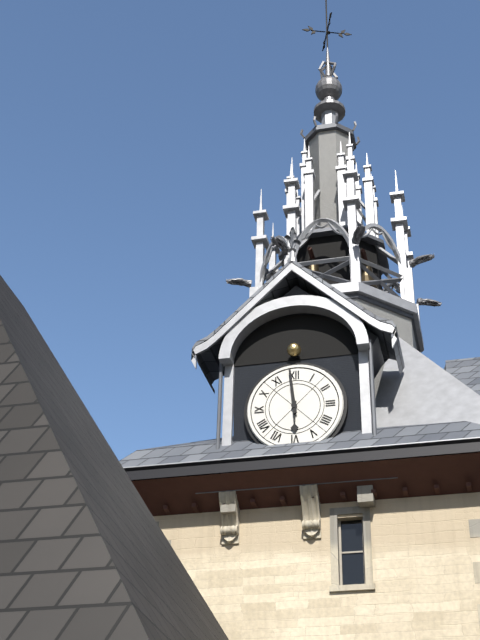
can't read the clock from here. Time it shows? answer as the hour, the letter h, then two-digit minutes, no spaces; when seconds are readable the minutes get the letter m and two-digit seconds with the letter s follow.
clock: 5h59
